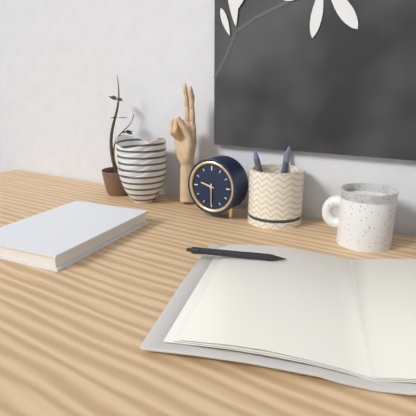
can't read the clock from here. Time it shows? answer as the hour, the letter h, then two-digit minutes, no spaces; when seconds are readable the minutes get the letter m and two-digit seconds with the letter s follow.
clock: 9h30
